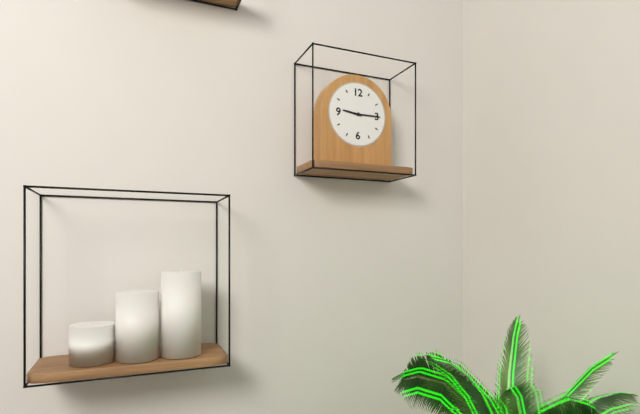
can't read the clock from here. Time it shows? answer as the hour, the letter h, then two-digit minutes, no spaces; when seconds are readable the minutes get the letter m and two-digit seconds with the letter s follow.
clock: 9h15
